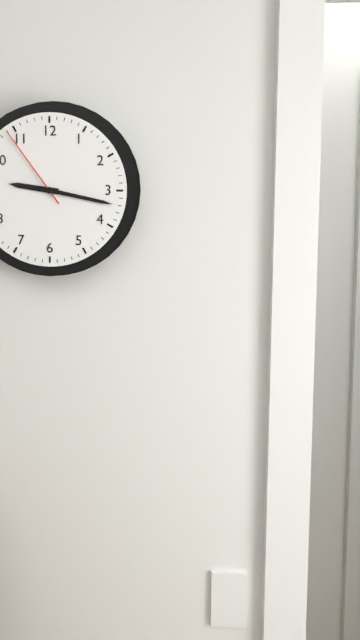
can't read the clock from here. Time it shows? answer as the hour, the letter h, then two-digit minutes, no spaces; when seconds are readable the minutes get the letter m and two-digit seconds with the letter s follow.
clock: 9h17m54s
